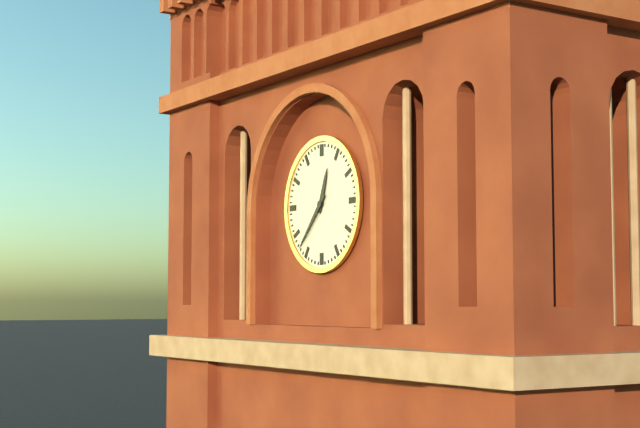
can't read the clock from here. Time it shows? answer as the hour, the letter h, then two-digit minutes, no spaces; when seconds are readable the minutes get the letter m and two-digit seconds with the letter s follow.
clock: 12h37
